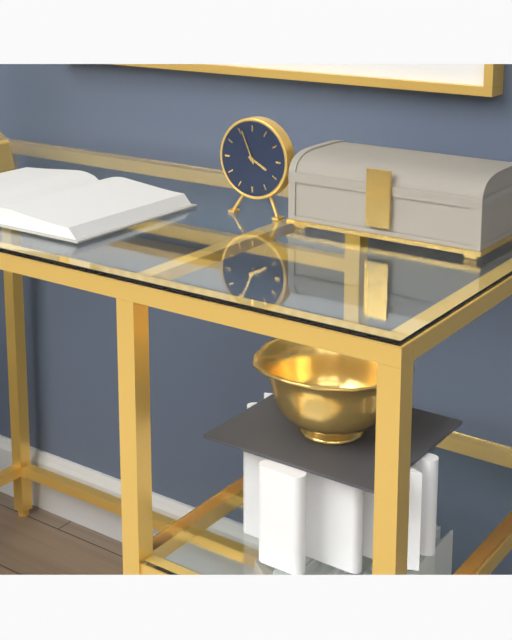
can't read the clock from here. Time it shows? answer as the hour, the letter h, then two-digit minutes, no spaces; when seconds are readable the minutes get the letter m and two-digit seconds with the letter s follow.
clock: 3h56
